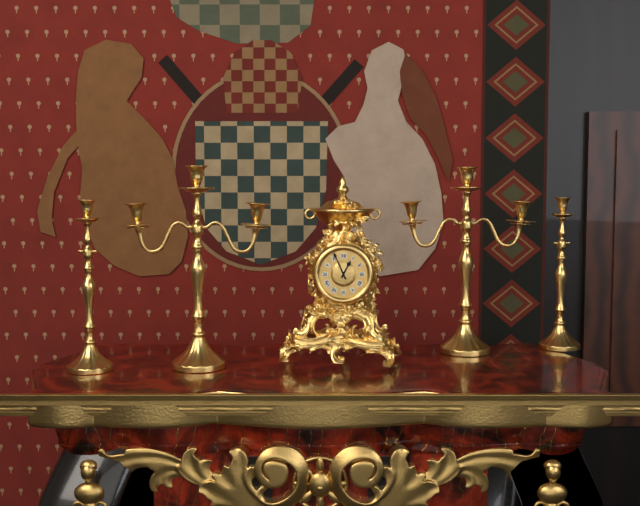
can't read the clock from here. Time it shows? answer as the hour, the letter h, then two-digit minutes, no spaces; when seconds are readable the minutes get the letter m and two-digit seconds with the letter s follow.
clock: 12h56
